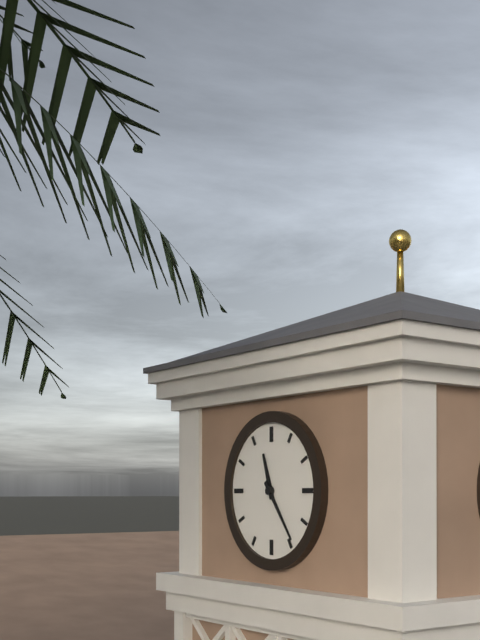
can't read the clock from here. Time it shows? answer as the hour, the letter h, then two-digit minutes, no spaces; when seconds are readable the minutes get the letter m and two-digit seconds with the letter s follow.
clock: 11h24
